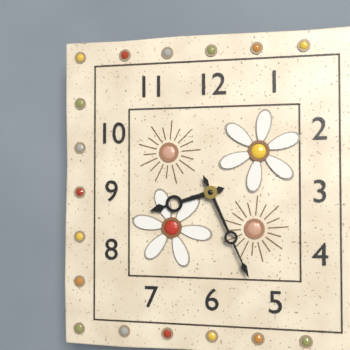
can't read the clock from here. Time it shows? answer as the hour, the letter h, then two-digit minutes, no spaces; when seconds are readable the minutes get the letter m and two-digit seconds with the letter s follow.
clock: 8h26
